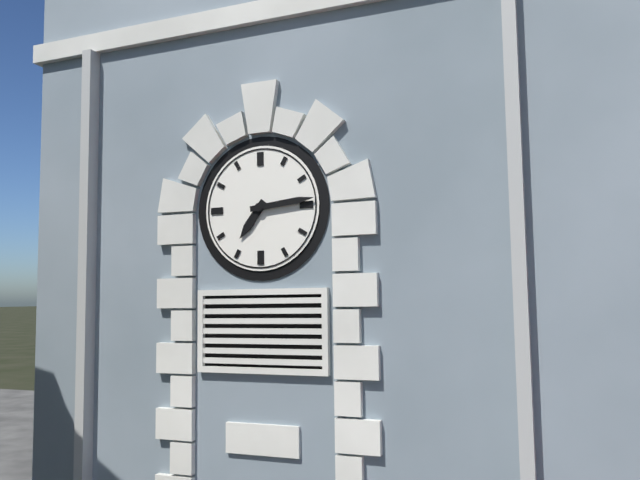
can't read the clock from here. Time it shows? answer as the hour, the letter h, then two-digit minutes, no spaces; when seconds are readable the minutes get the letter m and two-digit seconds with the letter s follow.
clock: 7h14
